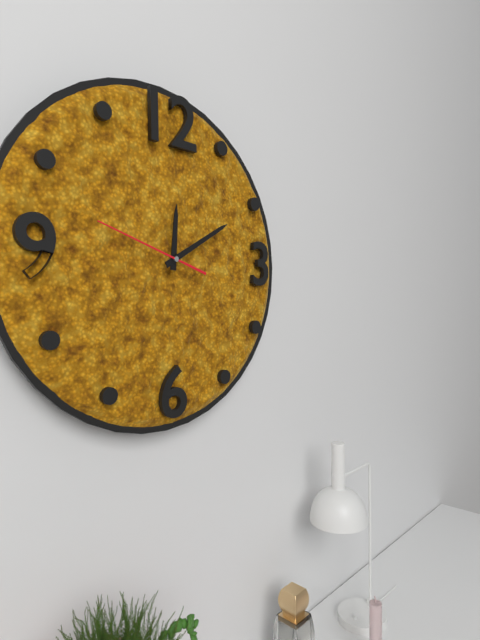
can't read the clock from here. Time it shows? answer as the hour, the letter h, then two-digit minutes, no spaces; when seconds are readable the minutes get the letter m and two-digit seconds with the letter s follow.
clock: 12h10m48s
